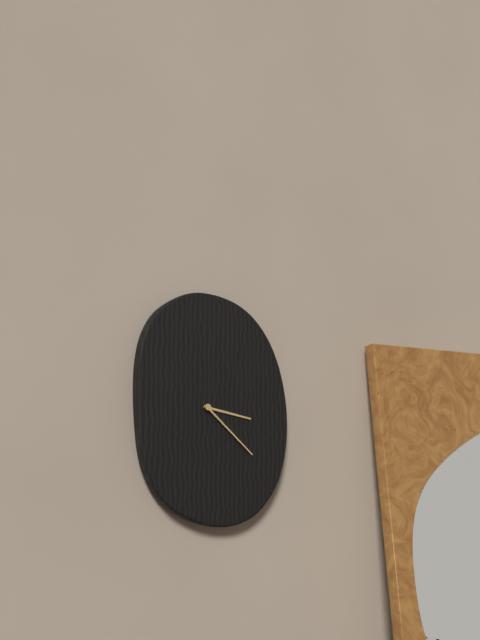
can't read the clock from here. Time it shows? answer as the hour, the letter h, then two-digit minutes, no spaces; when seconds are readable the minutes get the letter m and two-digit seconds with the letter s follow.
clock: 3h22
